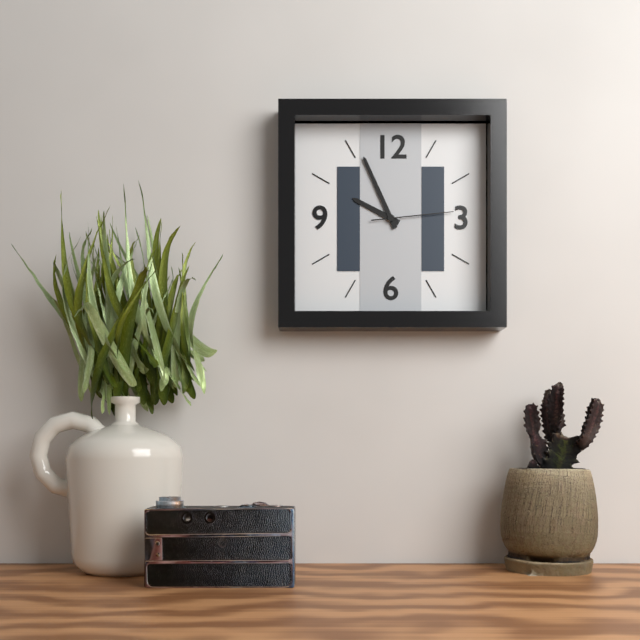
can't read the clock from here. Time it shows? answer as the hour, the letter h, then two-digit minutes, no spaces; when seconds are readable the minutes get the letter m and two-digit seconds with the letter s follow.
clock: 9h56m14s
